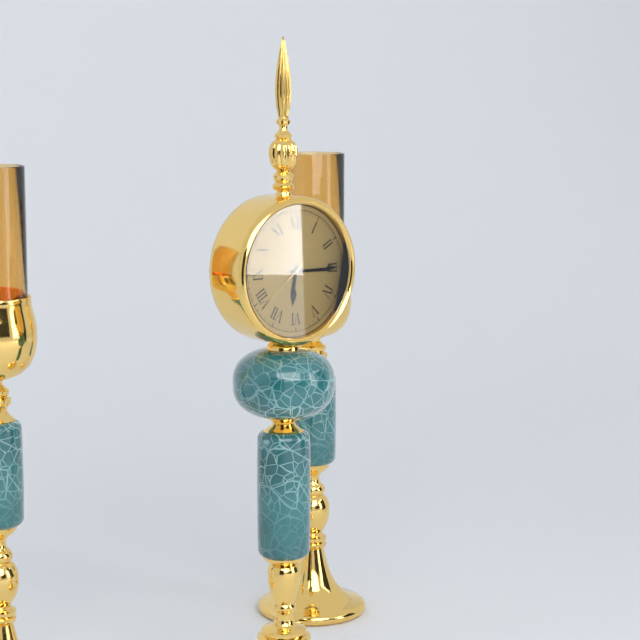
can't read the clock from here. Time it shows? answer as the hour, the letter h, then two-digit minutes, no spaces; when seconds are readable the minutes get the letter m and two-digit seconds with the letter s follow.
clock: 6h15m39s
